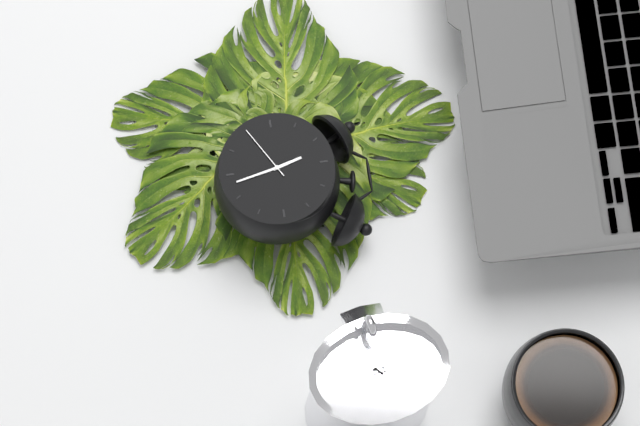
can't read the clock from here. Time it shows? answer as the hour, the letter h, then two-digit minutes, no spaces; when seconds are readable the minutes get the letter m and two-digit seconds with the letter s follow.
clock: 11h28m40s
